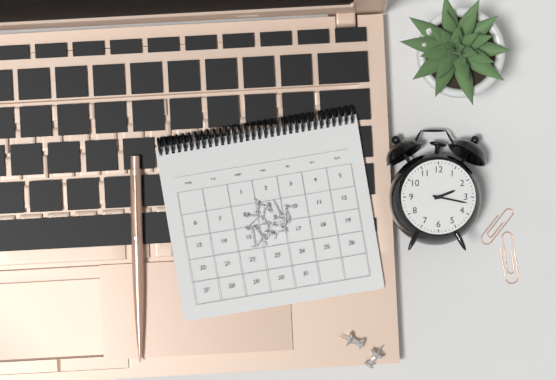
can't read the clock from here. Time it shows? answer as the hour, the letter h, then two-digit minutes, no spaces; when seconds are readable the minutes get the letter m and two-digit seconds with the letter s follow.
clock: 2h17
